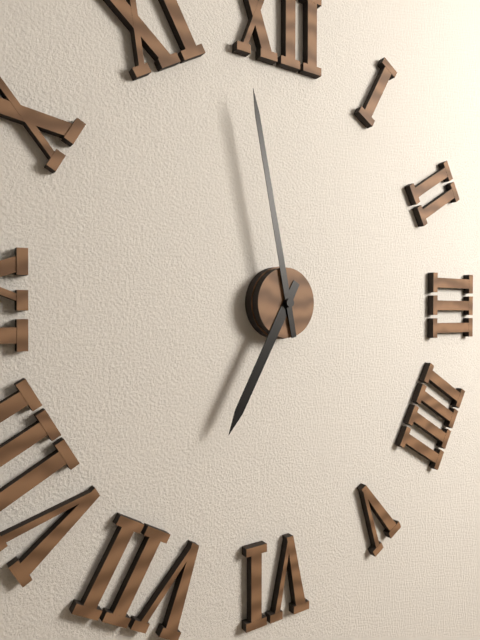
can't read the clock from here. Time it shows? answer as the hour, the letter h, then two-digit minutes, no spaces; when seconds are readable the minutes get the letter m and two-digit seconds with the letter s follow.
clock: 6h58
